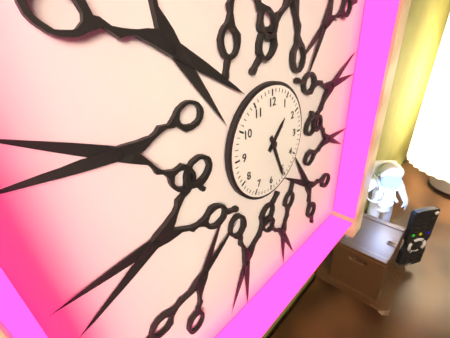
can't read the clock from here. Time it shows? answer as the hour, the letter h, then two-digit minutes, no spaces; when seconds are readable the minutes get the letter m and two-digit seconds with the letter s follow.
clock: 1h26
